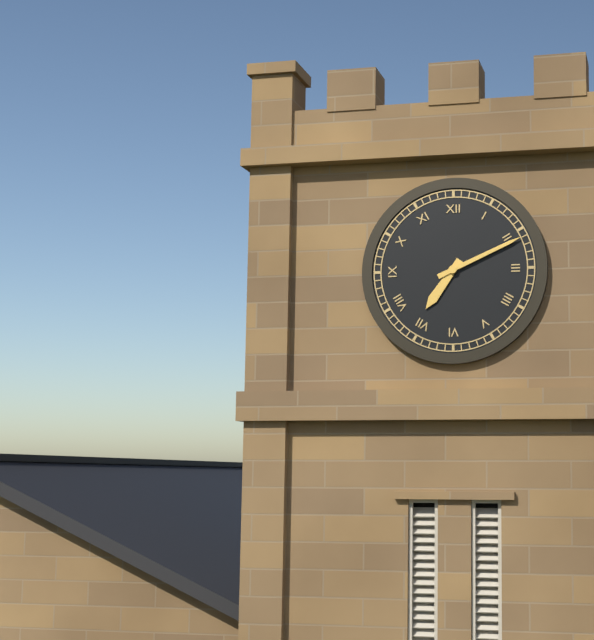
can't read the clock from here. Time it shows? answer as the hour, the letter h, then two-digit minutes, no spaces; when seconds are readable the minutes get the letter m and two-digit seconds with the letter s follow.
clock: 7h11
